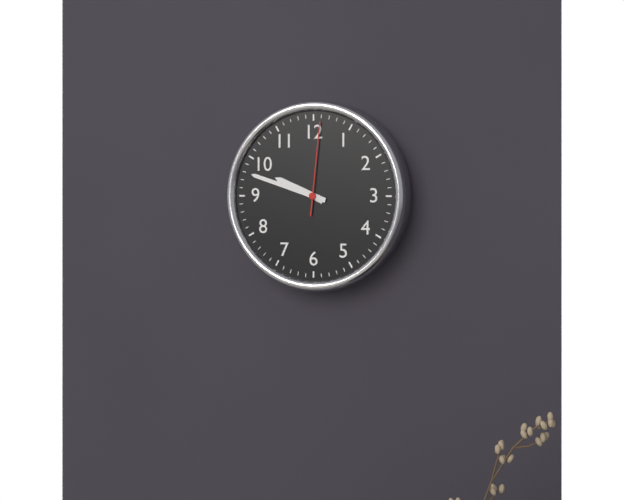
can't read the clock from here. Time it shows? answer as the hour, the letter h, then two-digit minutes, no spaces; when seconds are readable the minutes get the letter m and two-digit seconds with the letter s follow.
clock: 9h48m01s
